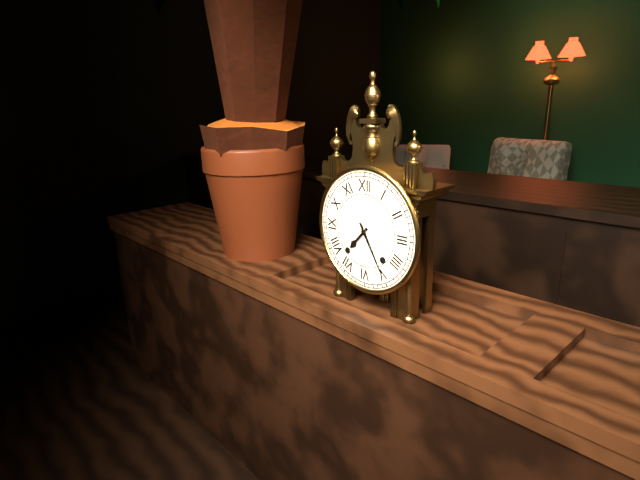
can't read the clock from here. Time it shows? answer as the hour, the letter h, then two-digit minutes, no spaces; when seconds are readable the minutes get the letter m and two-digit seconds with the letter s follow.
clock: 7h25
